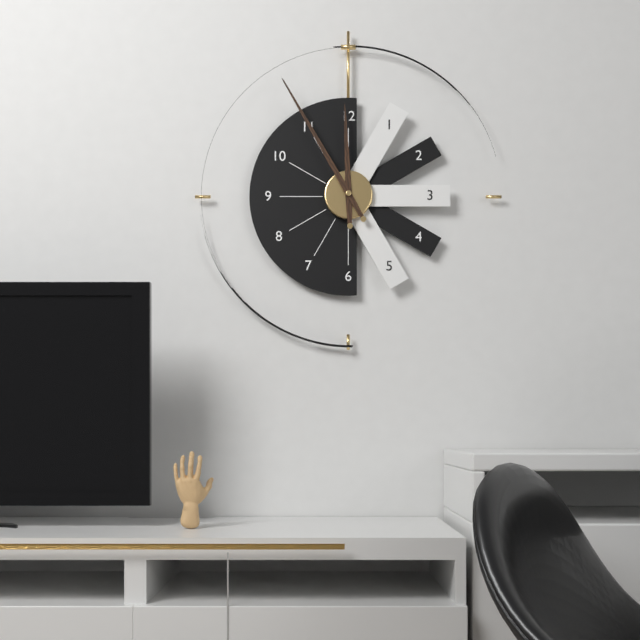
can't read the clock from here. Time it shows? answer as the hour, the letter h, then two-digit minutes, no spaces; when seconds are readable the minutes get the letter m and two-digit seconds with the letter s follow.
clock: 11h55
